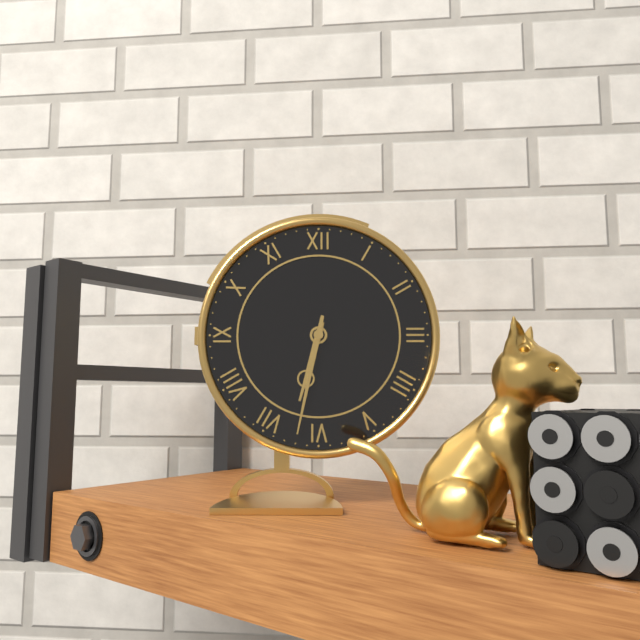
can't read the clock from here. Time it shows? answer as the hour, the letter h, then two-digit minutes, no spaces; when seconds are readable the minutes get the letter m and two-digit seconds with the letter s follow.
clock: 6h32
